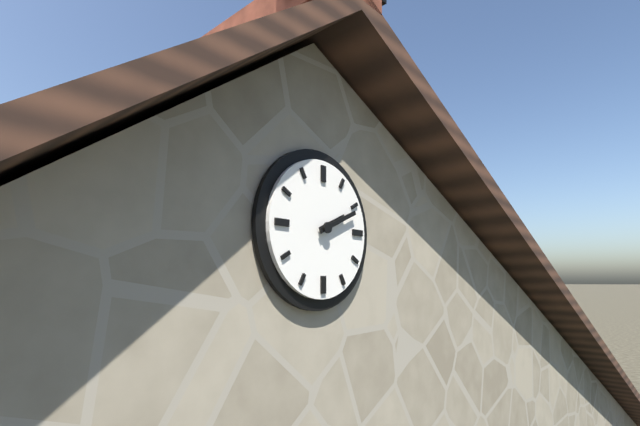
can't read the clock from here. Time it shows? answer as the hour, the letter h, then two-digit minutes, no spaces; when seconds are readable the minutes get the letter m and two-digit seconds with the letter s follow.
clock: 2h11
